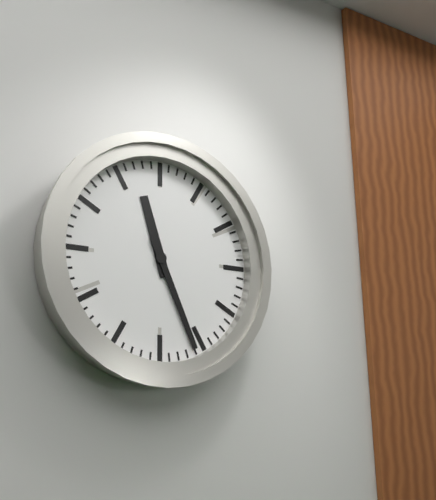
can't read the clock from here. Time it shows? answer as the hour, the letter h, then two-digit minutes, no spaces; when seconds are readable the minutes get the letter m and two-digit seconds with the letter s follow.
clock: 11h26
